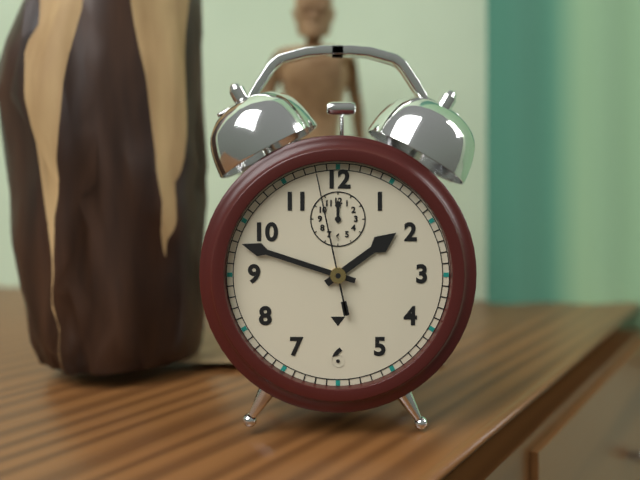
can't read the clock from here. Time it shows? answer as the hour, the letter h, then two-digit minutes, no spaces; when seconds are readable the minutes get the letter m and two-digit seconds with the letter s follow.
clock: 1h48m58s
